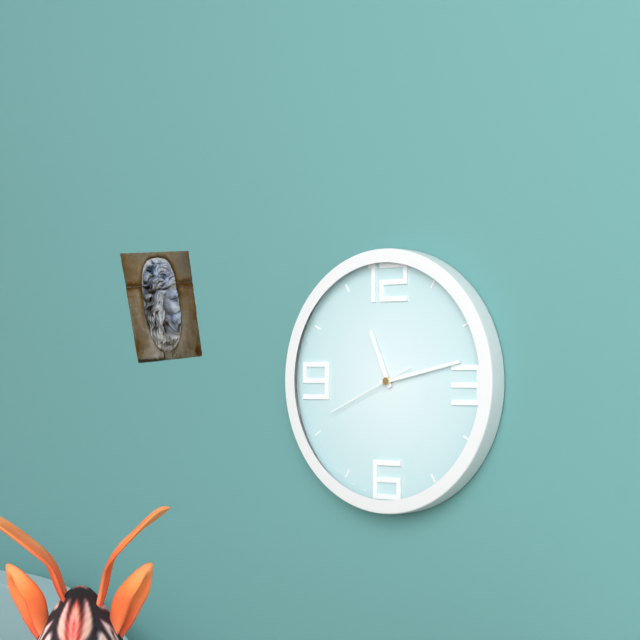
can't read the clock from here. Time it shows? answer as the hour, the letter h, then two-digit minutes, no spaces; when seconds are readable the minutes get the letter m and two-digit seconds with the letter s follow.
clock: 11h13m41s
